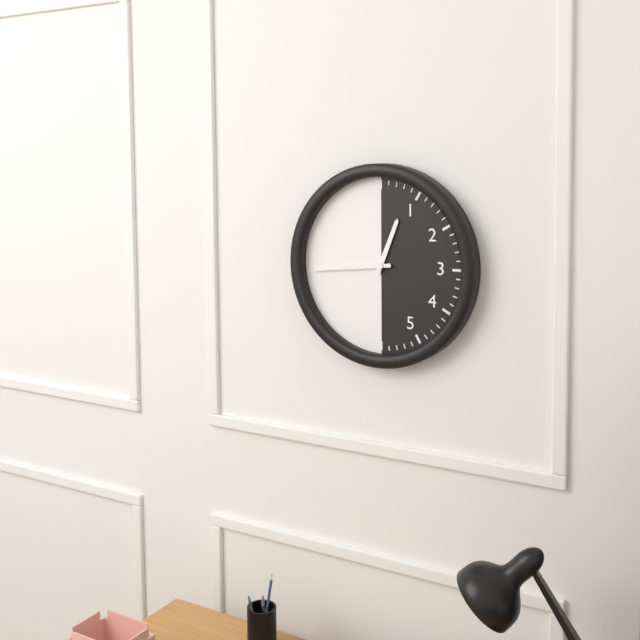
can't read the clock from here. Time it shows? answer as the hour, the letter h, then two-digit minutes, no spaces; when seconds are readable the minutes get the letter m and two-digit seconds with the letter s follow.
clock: 12h44
